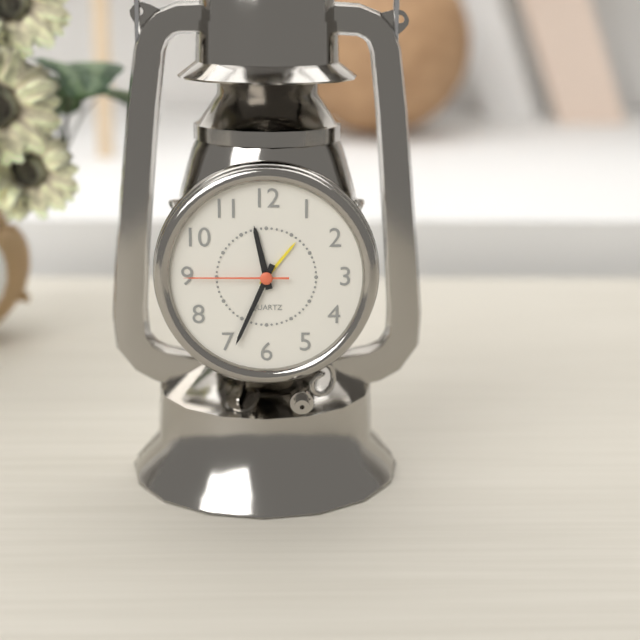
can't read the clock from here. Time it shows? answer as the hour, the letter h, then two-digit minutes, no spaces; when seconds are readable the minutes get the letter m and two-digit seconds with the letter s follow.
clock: 11h34m45s
